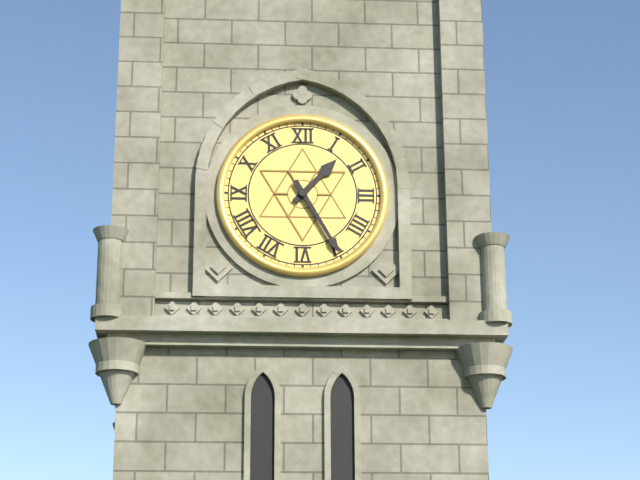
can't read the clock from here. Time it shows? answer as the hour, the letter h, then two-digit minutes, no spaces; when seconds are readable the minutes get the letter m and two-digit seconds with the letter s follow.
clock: 1h25
